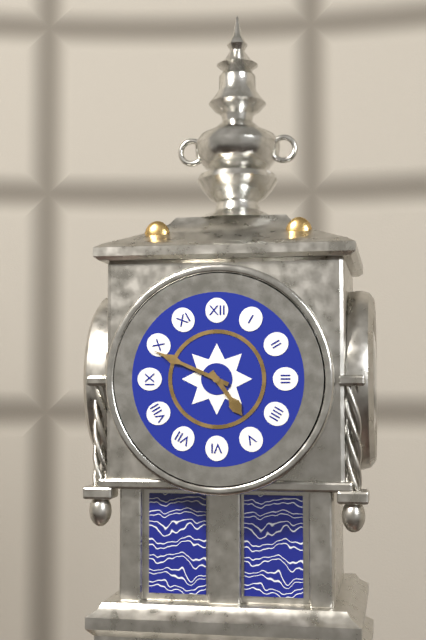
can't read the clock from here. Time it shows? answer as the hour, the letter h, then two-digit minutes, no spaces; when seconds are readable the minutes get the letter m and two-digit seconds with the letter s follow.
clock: 4h49
